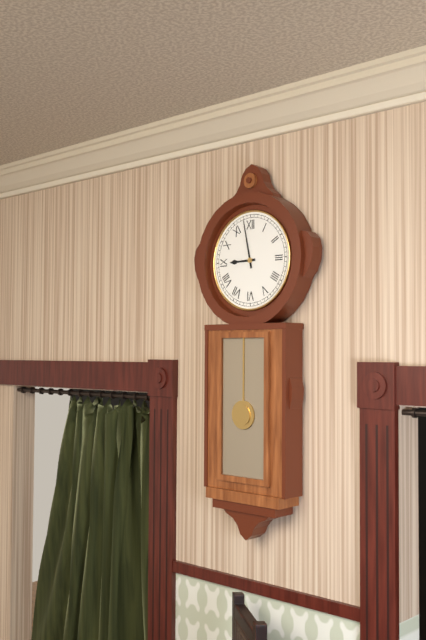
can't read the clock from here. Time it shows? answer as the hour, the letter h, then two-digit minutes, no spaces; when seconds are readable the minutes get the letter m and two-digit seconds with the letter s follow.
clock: 8h58
